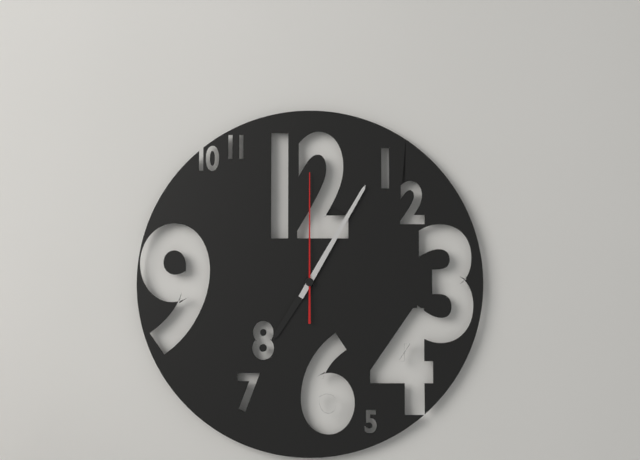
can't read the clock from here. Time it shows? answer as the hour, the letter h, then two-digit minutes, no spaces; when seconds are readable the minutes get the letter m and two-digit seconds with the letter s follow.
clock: 7h05m00s
